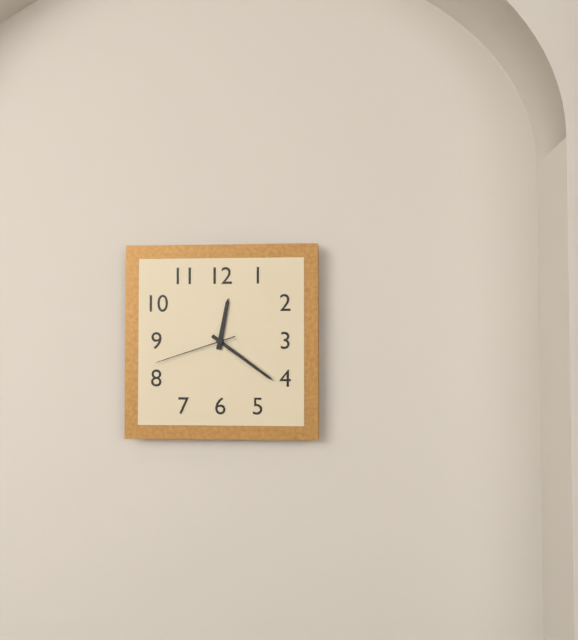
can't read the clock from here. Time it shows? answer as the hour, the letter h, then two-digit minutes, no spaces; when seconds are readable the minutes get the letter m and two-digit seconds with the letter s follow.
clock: 12h21m42s
